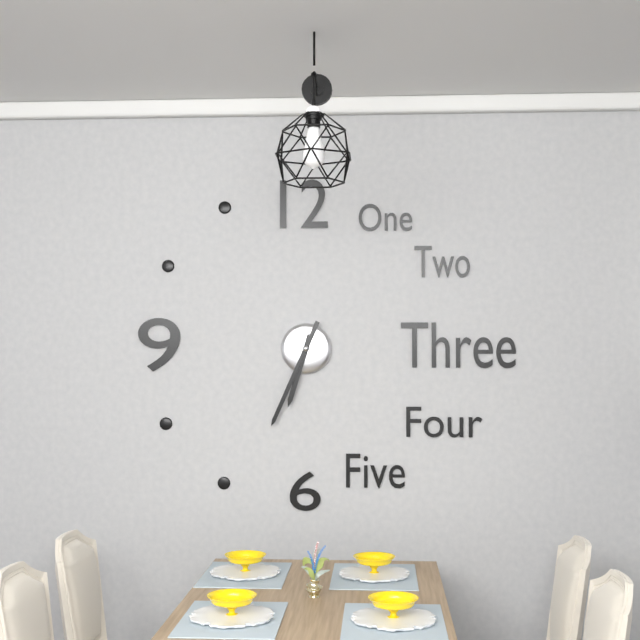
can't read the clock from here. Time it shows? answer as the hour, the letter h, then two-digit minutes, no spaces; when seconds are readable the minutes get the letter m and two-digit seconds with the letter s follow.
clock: 6h34
